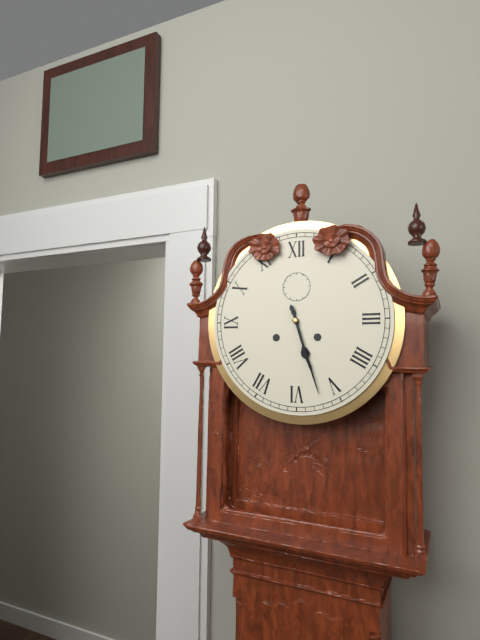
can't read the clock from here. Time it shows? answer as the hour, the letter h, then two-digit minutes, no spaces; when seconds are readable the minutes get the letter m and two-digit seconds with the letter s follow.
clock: 5h27
